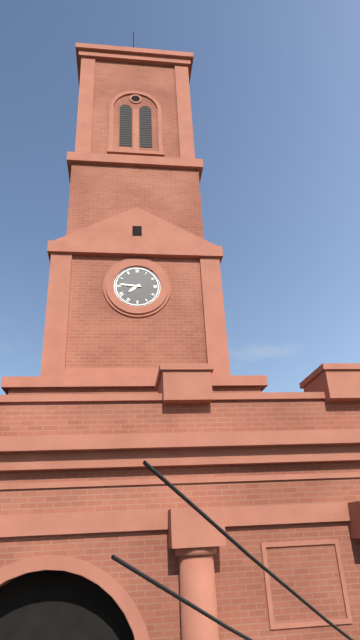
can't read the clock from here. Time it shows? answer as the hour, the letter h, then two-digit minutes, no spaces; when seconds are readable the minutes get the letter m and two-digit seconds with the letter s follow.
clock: 7h46
